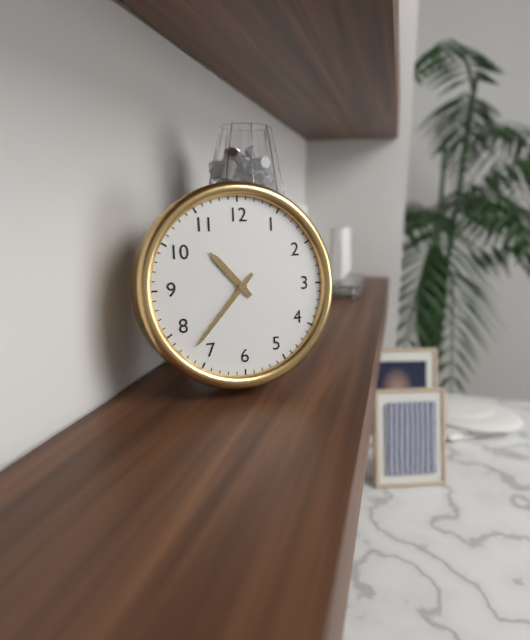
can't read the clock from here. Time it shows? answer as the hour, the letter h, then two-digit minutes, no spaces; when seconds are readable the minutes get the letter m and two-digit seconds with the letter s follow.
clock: 10h37
